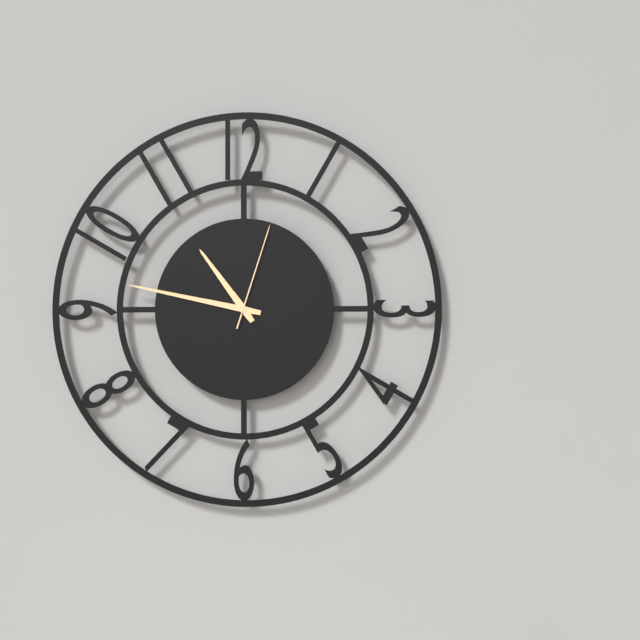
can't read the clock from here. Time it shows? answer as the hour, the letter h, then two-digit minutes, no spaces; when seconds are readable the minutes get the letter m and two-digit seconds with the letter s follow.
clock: 10h47m03s
